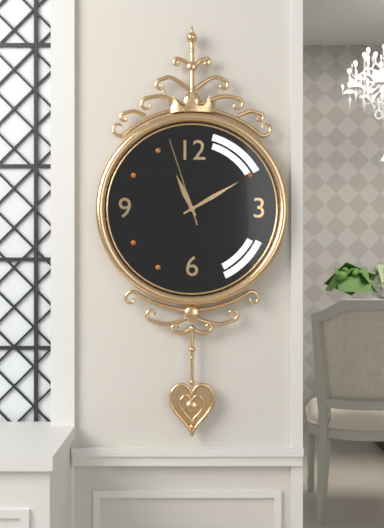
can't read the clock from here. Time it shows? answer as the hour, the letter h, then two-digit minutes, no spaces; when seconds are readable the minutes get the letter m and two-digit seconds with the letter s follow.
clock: 11h10m57s
